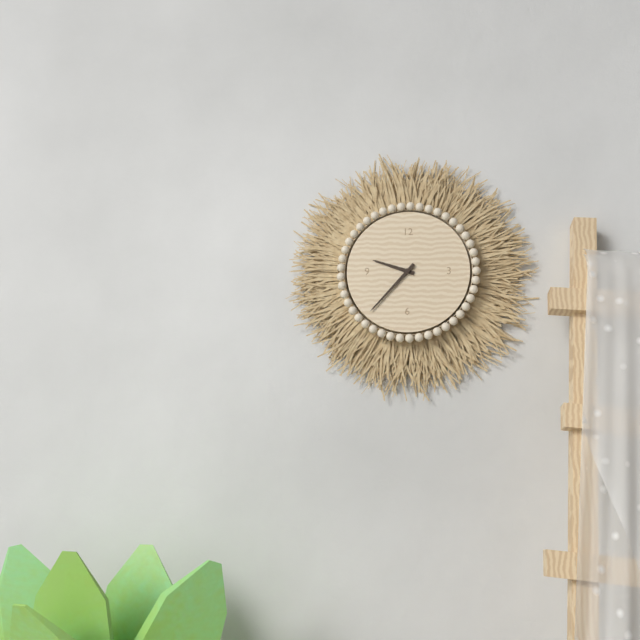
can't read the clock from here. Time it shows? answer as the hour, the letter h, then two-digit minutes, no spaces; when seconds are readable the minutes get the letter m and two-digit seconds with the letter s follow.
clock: 9h37
